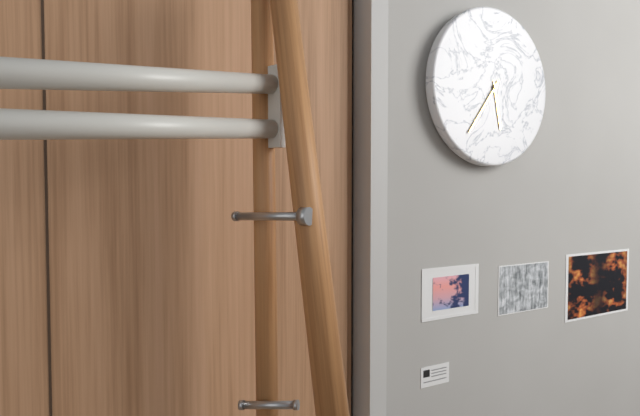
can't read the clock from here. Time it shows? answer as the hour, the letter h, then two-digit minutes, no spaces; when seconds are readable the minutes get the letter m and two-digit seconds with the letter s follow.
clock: 5h36
